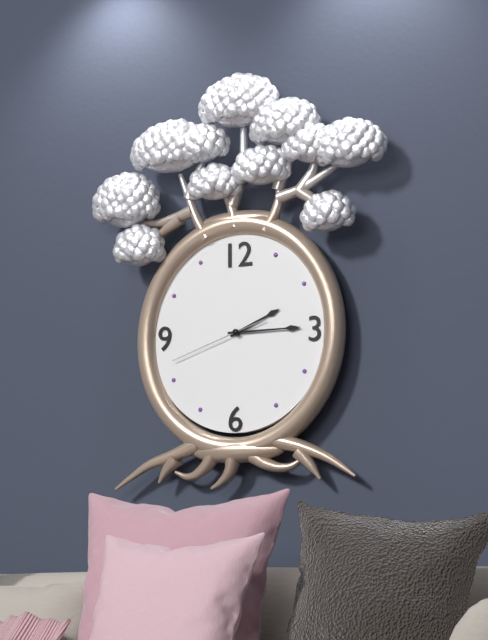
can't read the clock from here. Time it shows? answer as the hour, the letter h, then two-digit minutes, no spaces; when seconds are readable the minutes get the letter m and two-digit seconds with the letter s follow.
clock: 2h15m42s
